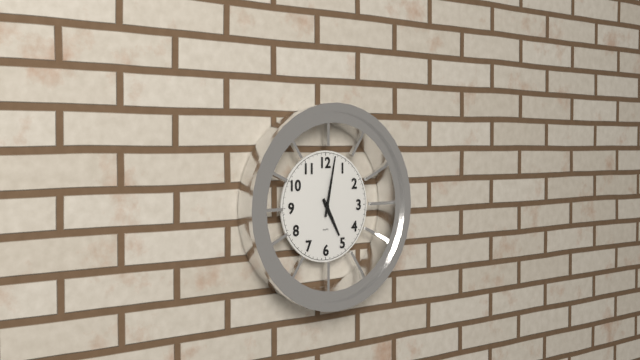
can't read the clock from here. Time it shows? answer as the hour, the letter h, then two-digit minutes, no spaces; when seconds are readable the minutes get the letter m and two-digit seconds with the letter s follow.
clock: 5h02
